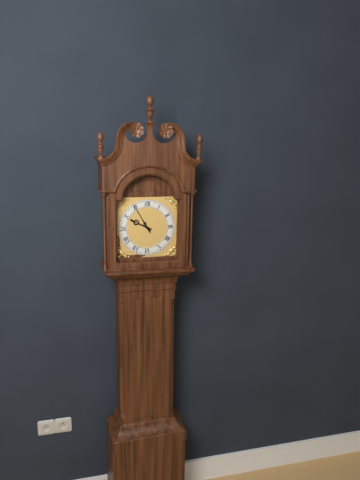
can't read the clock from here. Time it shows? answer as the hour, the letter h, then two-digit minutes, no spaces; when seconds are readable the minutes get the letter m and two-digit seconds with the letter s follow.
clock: 9h55
